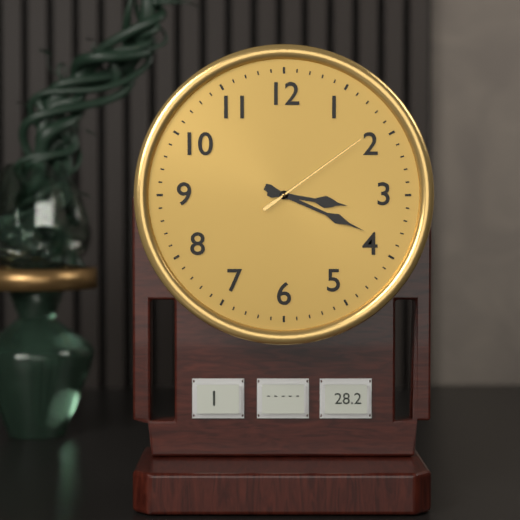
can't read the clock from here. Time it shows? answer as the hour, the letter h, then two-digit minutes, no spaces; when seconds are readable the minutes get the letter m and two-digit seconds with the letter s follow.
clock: 3h19m09s
